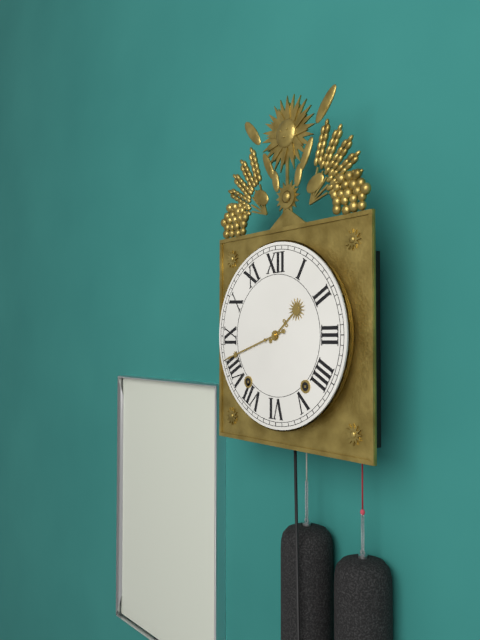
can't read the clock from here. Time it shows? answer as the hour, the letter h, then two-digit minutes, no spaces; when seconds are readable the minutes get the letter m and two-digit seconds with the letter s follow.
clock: 1h42
